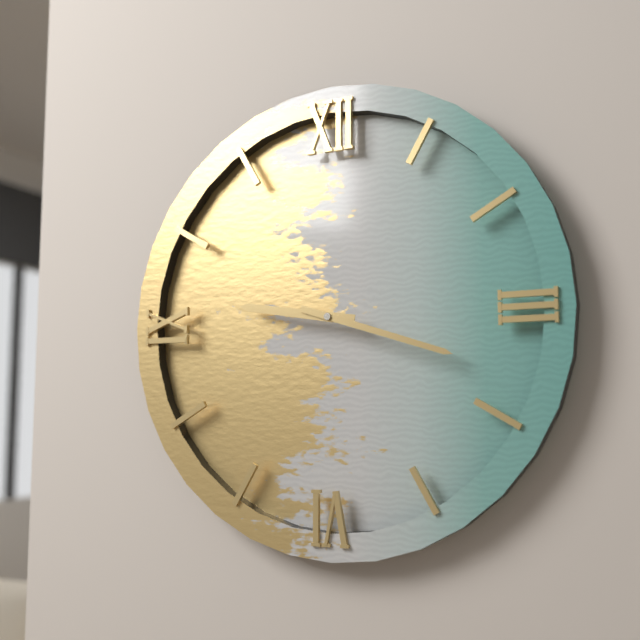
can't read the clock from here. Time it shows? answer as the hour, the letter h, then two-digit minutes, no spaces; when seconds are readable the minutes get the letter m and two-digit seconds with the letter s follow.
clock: 9h18
